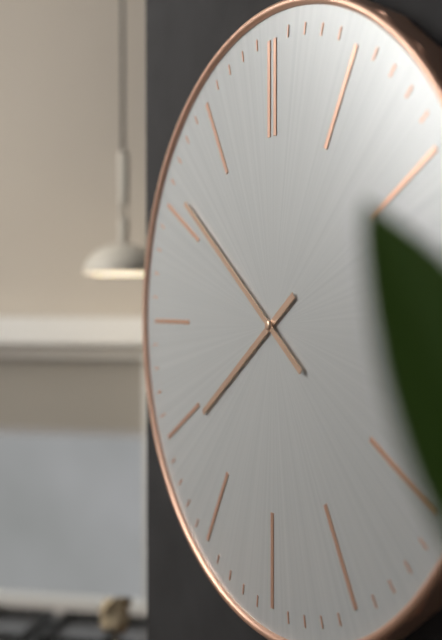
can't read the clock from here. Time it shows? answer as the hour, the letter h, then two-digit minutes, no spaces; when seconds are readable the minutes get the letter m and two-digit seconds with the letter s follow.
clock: 7h51
